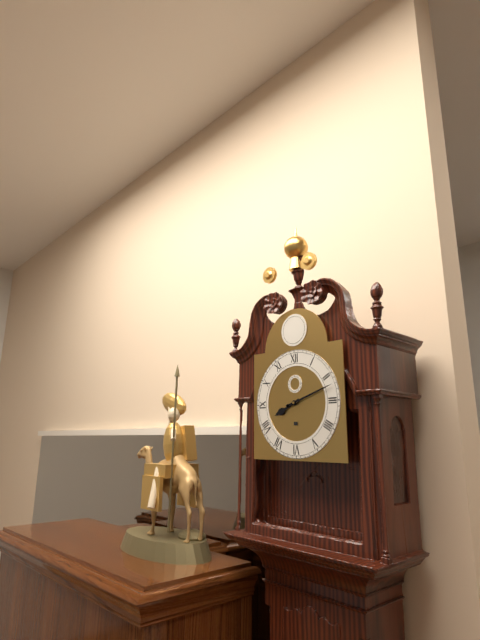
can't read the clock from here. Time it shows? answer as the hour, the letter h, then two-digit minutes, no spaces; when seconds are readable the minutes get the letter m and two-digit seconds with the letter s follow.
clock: 8h12
